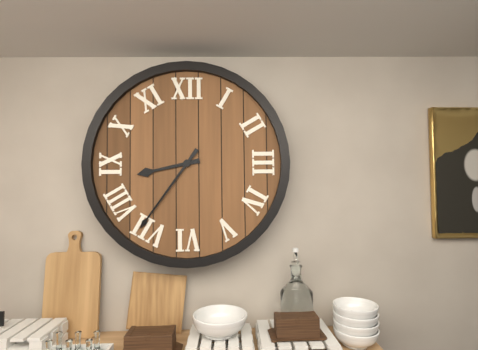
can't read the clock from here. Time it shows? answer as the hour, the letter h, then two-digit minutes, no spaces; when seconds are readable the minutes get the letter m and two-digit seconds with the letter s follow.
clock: 8h36
